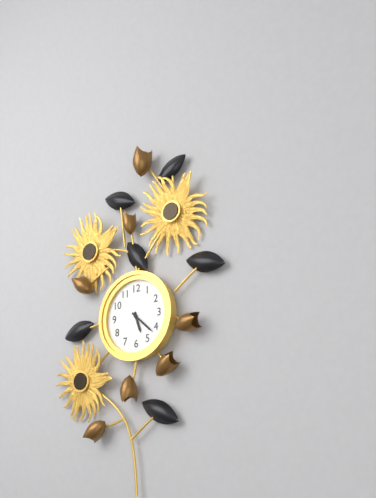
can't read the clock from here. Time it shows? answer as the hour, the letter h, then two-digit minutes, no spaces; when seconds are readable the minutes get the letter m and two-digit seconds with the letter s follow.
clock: 5h22
